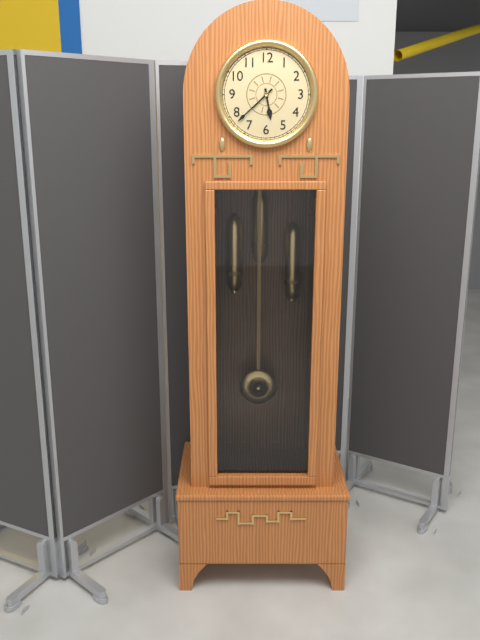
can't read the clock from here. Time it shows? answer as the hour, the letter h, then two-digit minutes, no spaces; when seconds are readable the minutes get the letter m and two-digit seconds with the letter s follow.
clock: 5h38
